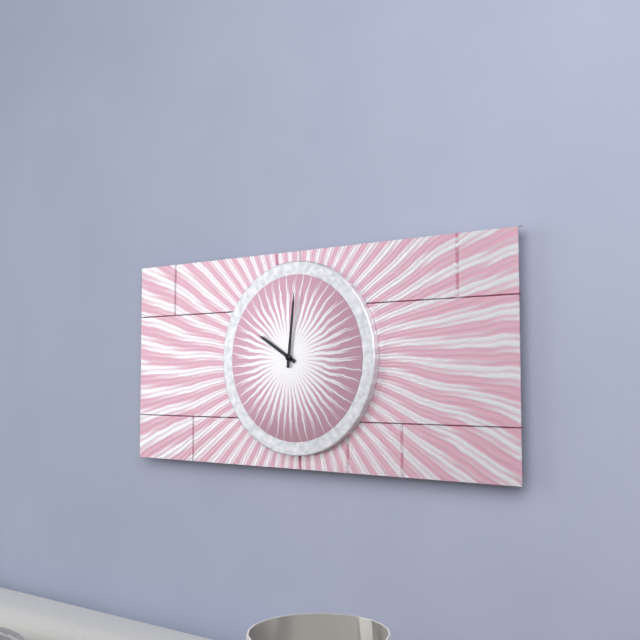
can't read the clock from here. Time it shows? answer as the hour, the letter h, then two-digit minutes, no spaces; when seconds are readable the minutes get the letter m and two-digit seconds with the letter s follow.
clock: 10h01
